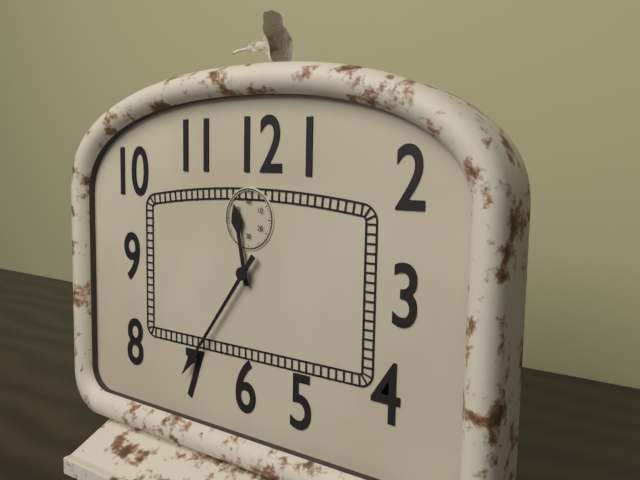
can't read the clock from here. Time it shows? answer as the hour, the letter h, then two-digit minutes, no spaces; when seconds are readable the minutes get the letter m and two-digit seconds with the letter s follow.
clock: 11h36
